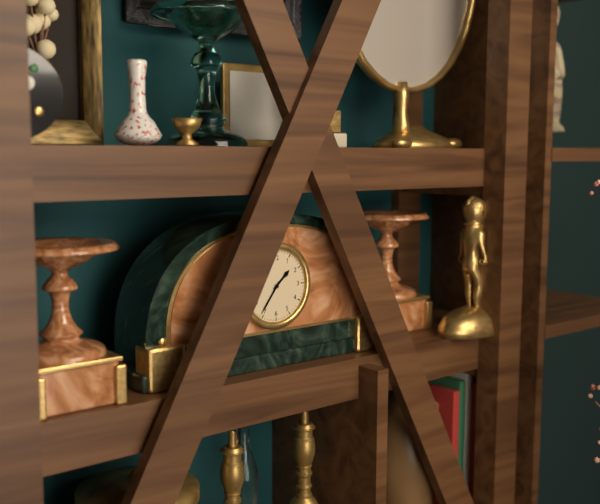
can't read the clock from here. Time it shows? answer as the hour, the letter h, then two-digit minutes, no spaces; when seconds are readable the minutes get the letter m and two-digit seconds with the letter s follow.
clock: 1h36
